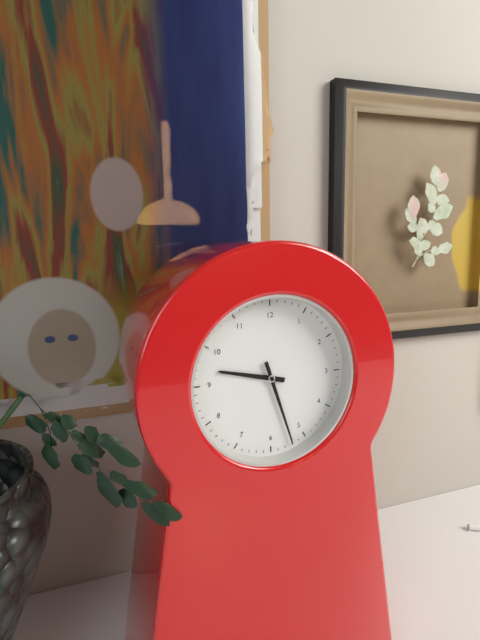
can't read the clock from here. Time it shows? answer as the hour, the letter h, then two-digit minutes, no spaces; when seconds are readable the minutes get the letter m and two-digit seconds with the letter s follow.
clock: 9h27
